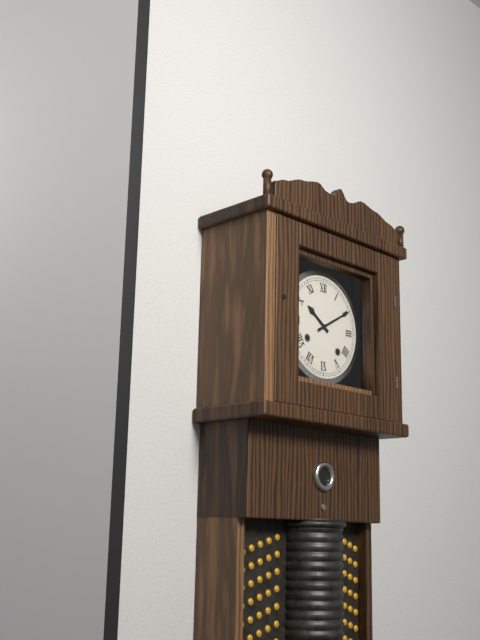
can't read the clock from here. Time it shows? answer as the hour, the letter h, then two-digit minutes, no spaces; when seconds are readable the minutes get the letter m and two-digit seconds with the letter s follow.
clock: 10h10
